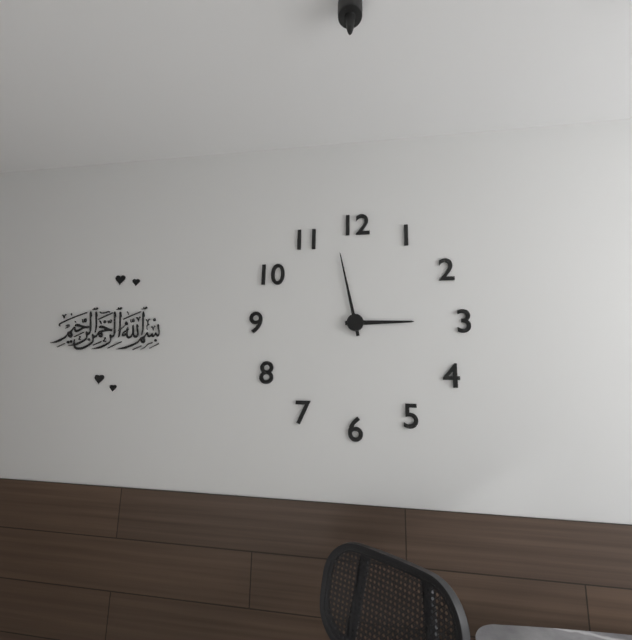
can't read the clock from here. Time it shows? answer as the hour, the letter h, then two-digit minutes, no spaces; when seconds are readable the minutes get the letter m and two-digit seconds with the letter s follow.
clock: 2h58
